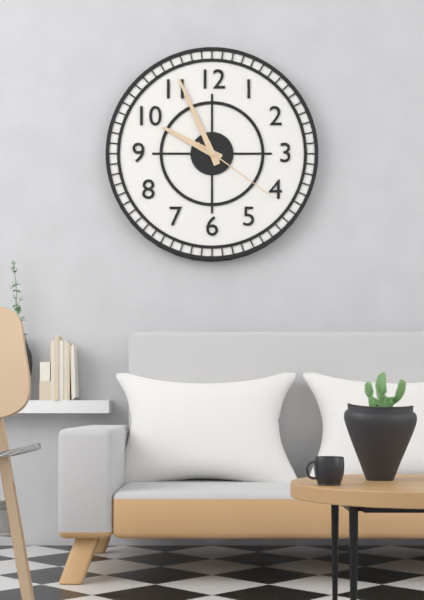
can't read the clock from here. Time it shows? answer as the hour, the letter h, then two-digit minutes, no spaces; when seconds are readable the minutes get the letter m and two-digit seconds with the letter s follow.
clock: 9h56m21s
